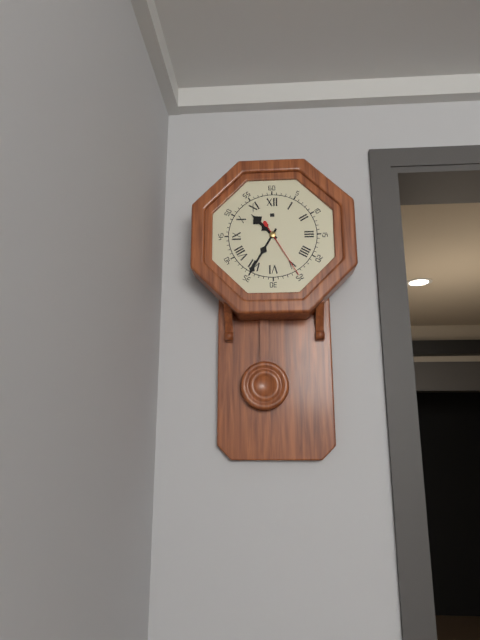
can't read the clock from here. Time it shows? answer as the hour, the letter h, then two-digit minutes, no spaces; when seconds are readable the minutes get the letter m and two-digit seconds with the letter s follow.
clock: 10h35m25s
